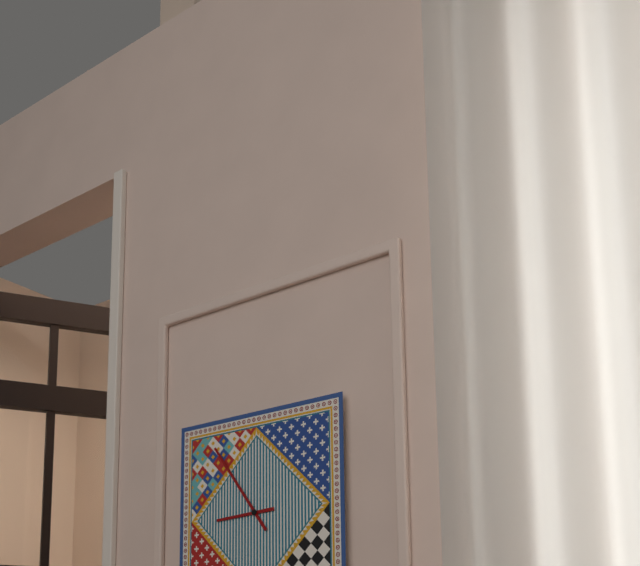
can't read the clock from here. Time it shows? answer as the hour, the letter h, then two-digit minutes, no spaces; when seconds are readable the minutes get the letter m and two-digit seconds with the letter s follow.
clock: 8h54
